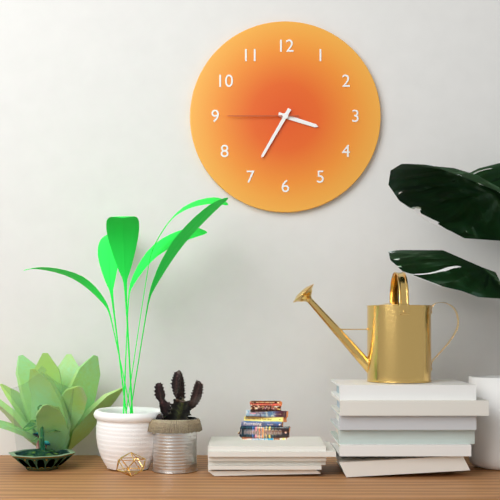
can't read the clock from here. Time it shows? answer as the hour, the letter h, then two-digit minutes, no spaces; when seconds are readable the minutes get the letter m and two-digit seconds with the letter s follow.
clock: 3h35m45s
